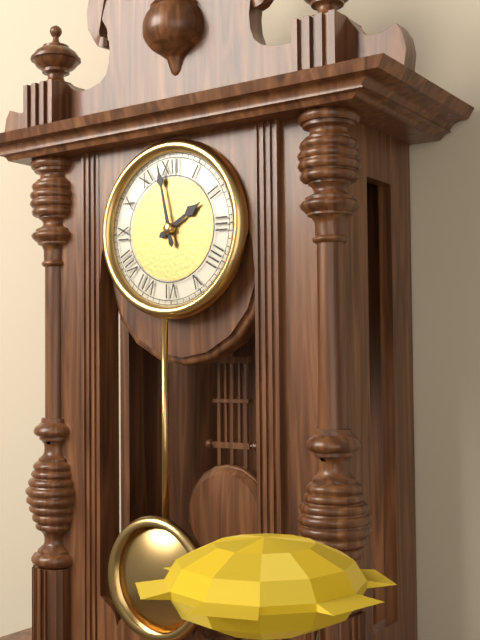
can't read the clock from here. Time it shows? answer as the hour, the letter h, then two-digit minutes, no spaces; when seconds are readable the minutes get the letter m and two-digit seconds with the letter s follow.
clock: 1h58
